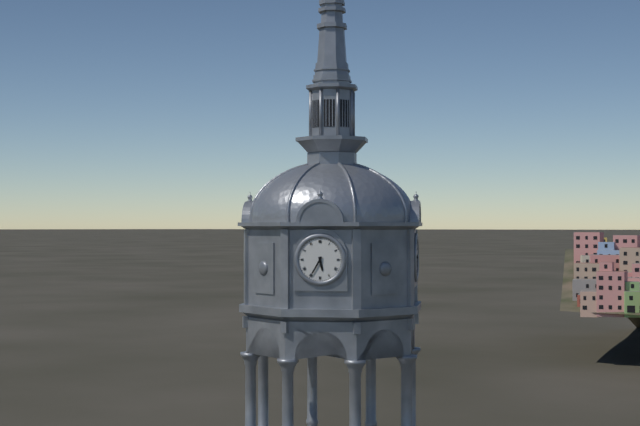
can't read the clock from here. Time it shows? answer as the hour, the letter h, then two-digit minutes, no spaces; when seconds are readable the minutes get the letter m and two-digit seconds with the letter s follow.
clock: 5h35
